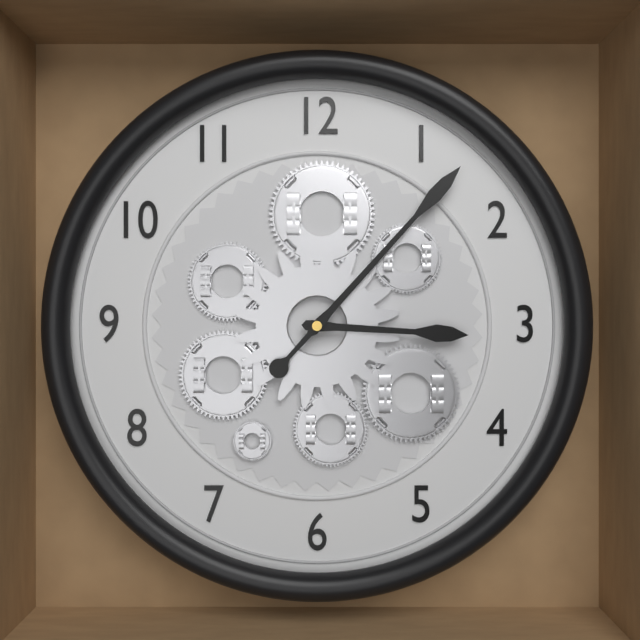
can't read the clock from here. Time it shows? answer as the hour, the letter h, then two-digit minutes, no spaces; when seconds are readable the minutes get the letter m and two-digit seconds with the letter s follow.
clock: 3h07
